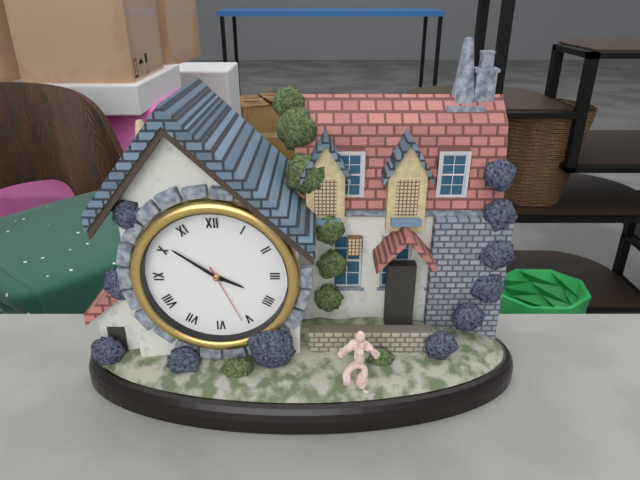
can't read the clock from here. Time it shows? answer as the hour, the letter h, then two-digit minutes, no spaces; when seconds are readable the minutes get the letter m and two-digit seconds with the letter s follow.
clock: 3h51m26s
